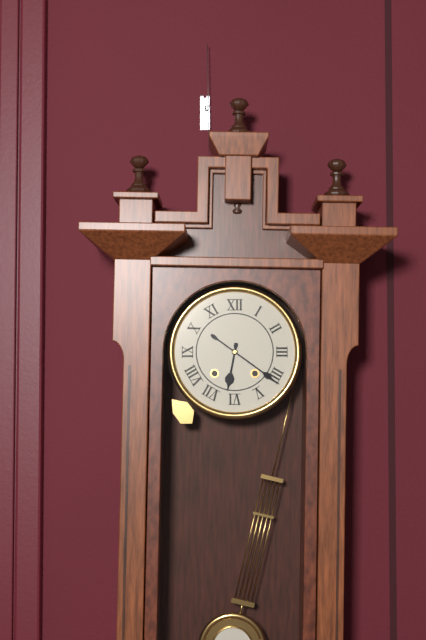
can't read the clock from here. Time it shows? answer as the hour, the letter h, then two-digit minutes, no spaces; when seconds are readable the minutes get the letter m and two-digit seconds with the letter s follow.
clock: 6h21
